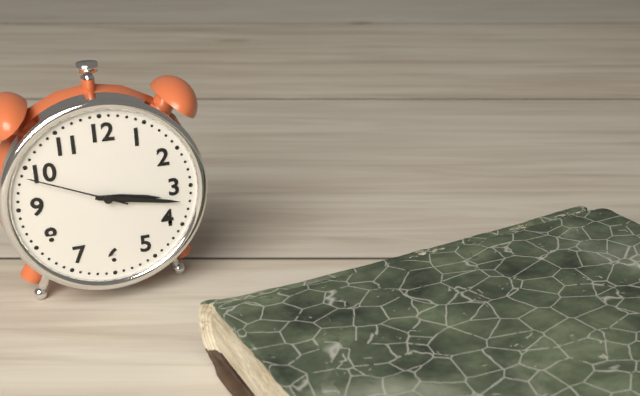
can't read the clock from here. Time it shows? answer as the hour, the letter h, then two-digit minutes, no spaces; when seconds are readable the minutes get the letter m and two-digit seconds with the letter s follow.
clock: 3h17m49s
